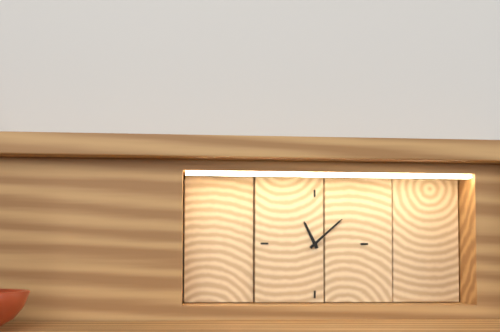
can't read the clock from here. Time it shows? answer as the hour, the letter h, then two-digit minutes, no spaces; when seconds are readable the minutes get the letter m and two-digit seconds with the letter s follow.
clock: 11h08
